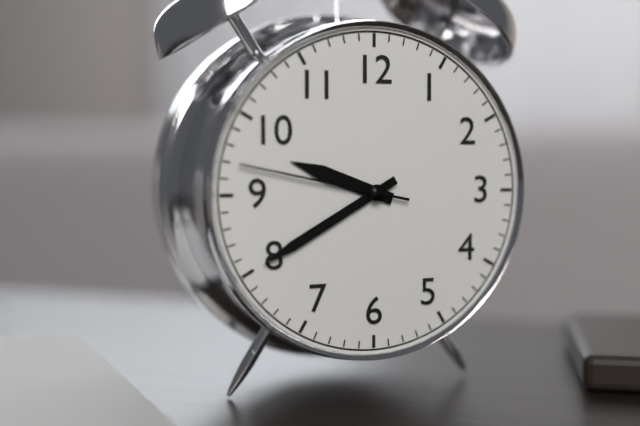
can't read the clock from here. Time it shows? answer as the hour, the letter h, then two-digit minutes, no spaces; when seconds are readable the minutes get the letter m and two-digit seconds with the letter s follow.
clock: 9h40m47s
